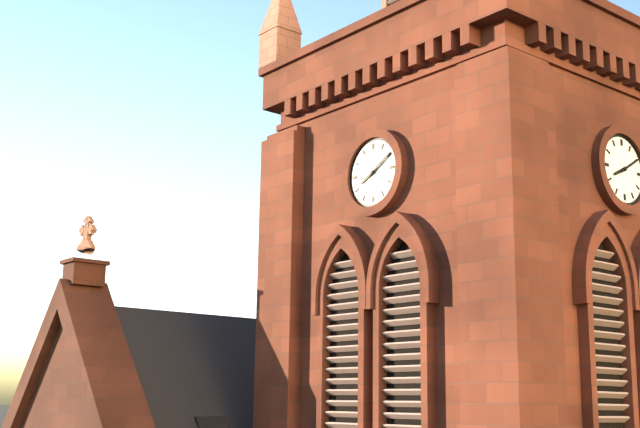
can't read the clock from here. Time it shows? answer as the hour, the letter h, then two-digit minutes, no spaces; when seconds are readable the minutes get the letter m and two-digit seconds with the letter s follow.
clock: 8h10
